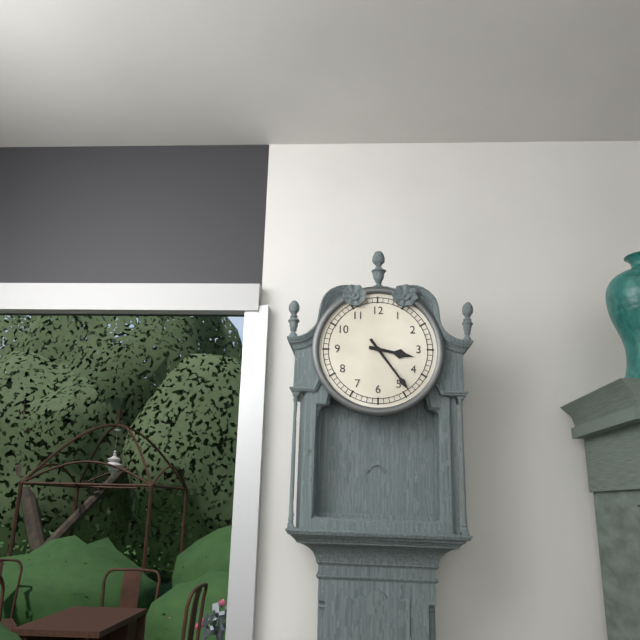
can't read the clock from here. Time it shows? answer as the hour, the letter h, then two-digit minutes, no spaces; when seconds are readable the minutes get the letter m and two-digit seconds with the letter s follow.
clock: 3h24
